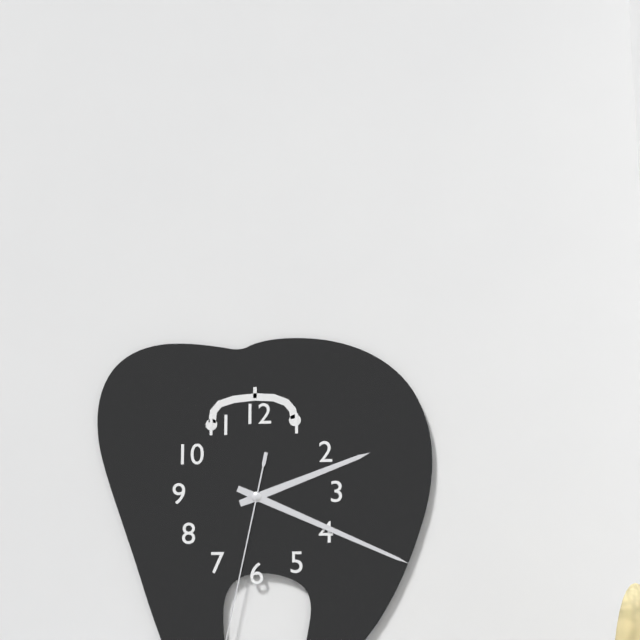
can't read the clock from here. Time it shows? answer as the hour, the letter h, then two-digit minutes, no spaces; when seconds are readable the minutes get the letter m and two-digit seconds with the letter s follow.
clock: 2h19
